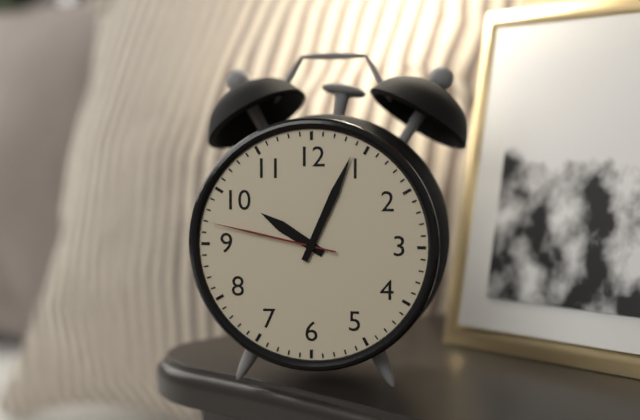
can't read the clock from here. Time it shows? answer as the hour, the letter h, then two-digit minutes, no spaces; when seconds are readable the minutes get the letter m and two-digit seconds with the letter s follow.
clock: 10h04m47s
